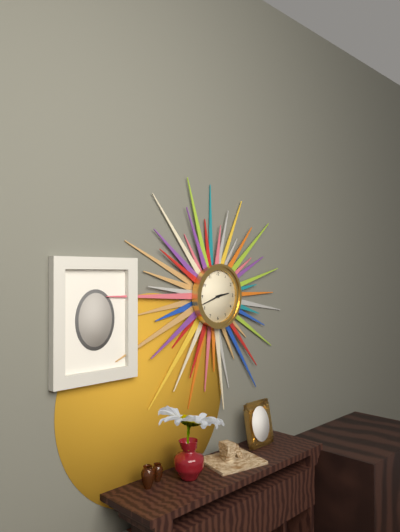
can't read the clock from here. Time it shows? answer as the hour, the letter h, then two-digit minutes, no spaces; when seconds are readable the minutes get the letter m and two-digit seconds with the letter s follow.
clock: 2h42
